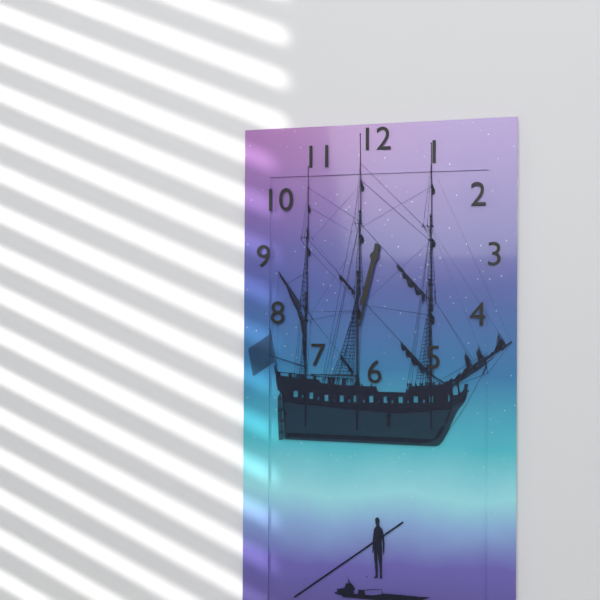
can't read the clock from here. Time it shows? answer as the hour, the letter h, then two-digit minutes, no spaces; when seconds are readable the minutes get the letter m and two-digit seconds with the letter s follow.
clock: 6h32
